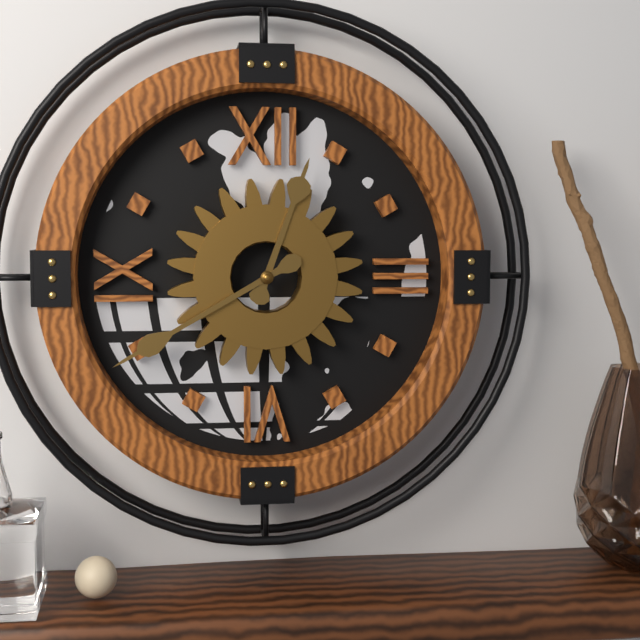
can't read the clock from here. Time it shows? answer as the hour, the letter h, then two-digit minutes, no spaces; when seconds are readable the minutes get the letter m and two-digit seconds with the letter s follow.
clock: 12h40
